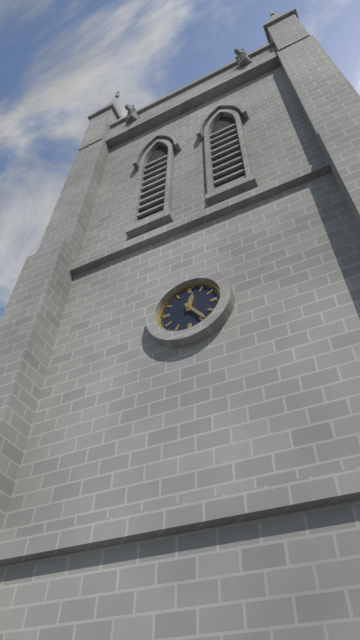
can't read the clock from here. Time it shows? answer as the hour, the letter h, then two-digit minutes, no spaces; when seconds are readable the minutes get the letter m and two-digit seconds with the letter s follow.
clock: 12h24
